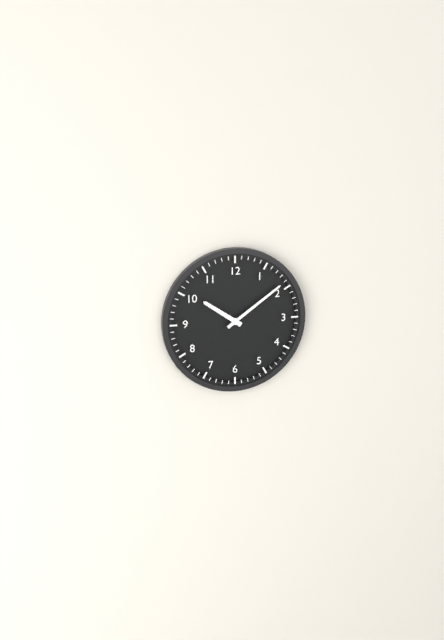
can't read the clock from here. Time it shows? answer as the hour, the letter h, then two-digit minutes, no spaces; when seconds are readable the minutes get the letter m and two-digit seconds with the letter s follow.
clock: 10h09
